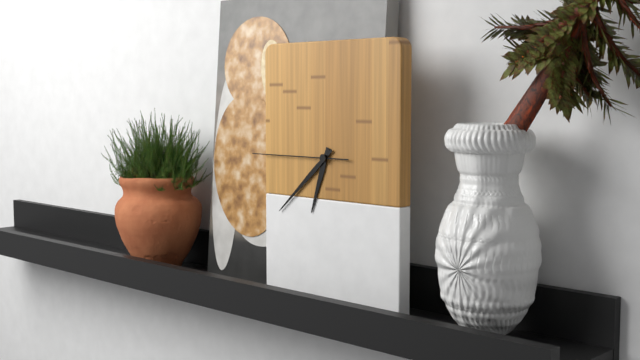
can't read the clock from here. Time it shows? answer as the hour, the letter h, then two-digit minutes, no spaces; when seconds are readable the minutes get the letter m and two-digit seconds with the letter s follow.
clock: 6h38m45s
